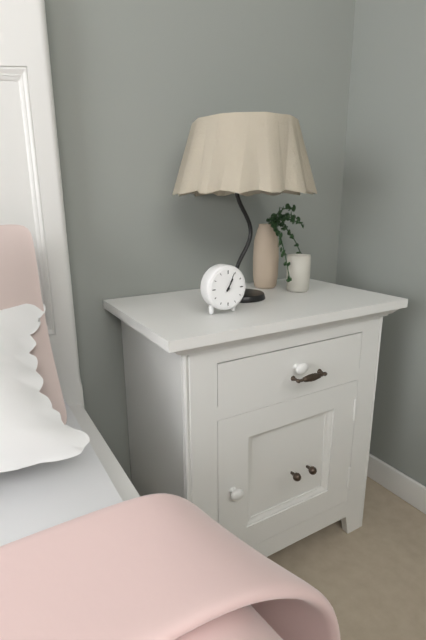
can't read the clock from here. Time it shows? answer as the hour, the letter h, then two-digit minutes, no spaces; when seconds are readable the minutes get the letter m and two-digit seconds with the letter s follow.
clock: 1h04
